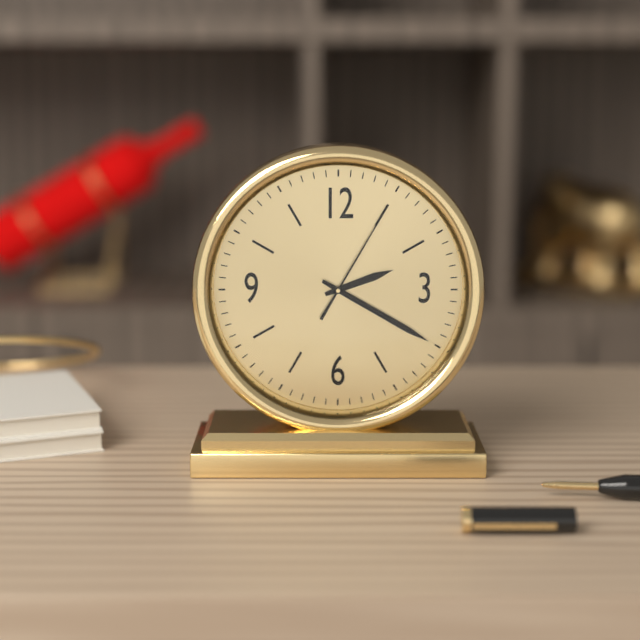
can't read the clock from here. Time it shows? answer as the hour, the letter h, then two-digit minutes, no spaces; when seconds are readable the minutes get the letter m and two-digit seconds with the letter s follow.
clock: 2h20m05s
